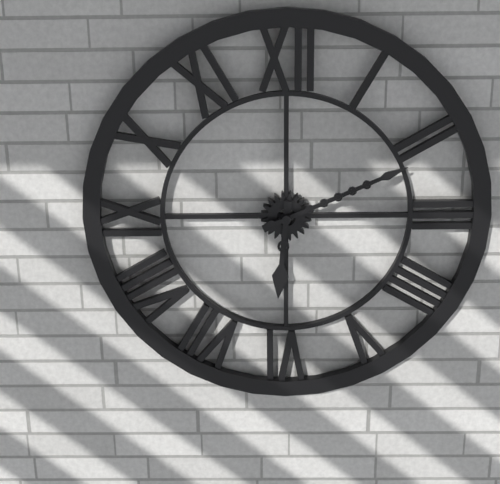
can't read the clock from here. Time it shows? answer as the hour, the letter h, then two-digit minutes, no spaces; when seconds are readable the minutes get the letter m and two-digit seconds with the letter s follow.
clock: 6h11
